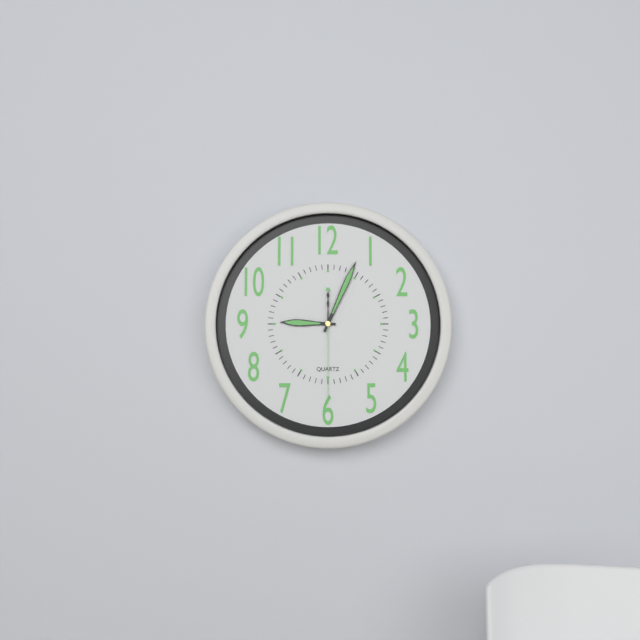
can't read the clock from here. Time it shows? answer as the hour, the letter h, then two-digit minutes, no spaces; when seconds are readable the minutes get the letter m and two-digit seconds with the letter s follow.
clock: 9h04m30s
